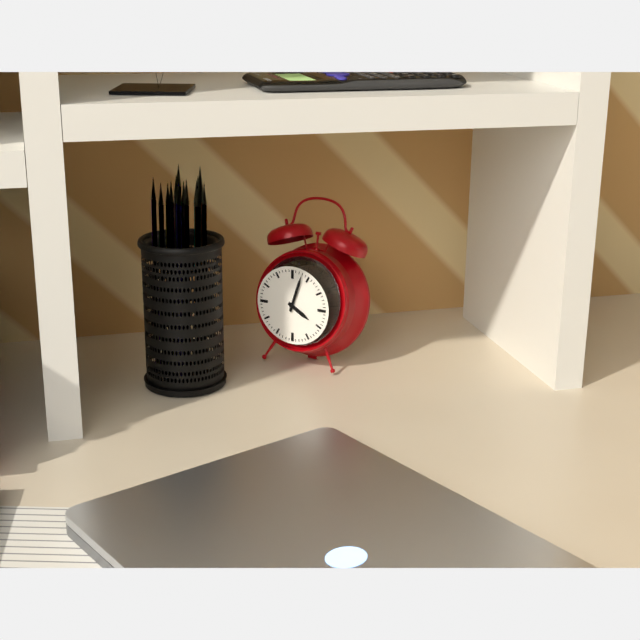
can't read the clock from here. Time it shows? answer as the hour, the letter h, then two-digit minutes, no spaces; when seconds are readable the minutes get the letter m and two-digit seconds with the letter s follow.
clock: 4h03
